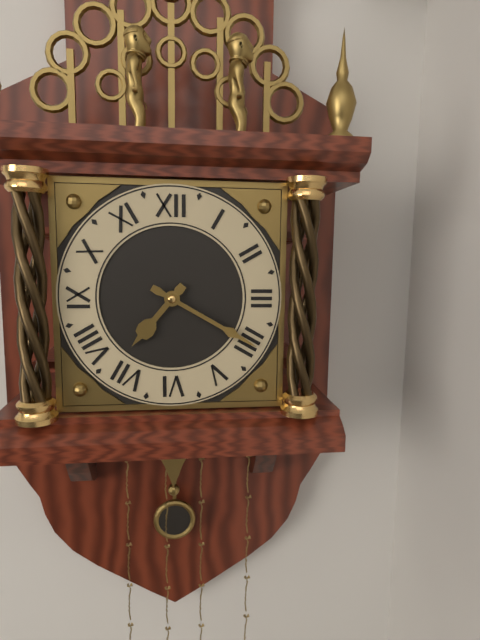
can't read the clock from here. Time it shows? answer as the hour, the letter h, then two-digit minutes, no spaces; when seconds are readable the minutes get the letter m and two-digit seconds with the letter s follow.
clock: 7h20
